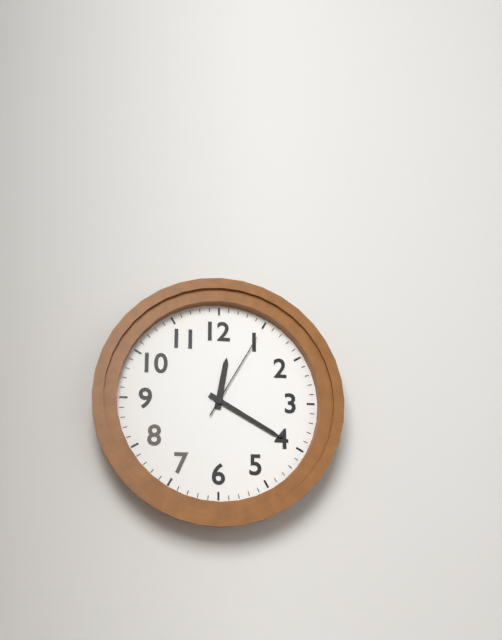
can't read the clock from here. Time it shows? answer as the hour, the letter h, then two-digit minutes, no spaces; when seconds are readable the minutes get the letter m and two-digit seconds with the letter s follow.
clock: 12h20m05s
